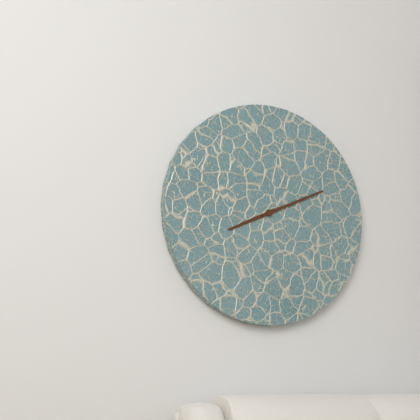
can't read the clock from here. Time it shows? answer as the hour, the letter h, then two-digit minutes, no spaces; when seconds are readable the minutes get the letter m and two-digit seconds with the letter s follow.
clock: 8h11
